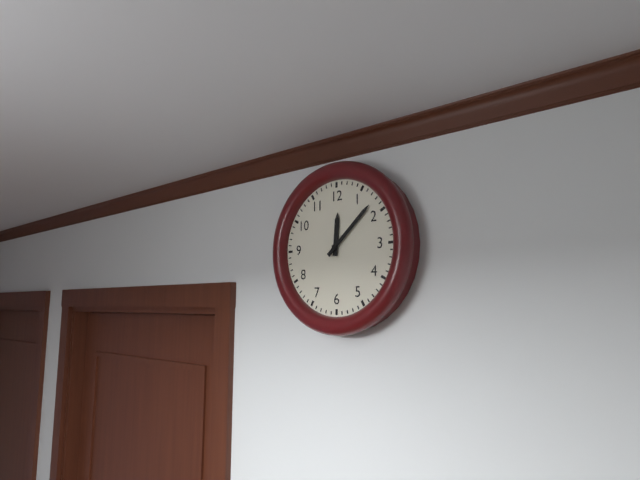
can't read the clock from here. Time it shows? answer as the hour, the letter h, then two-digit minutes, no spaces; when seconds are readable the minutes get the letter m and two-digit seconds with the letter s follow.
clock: 12h08
